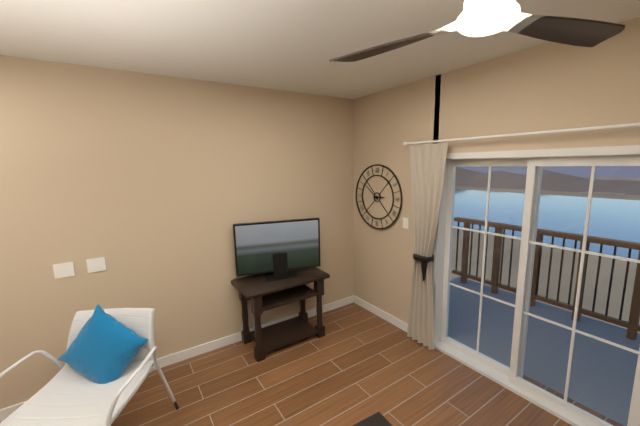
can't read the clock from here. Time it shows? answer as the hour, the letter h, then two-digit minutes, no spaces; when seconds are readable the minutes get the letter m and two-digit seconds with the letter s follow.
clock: 2h51
